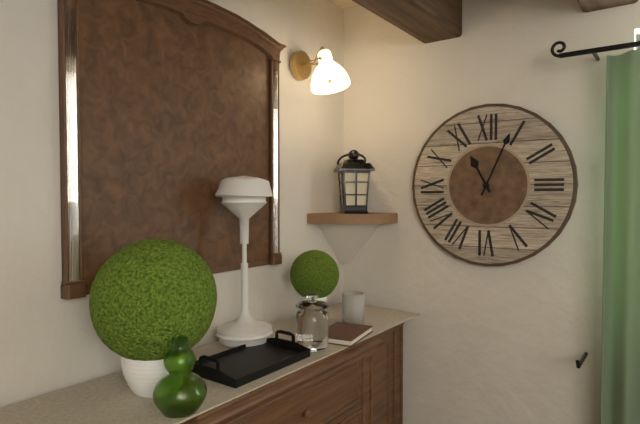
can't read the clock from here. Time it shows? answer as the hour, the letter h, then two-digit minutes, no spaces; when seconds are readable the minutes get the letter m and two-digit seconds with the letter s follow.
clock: 11h04
